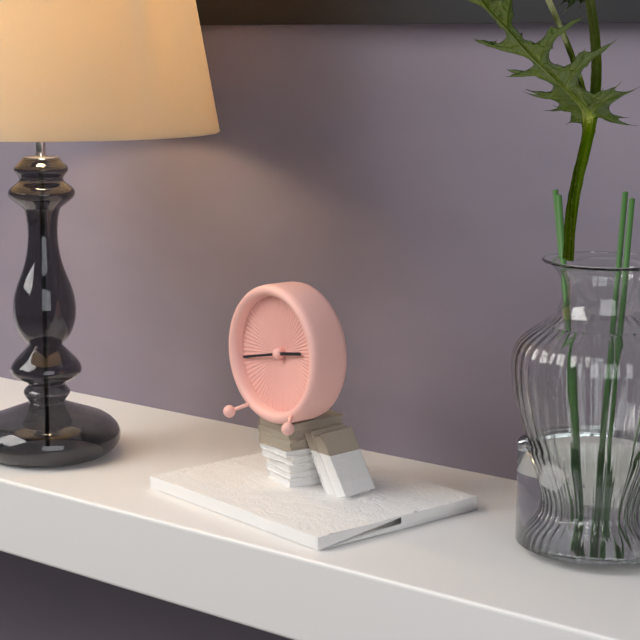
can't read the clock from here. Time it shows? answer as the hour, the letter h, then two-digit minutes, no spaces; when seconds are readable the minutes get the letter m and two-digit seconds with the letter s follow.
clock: 2h43
